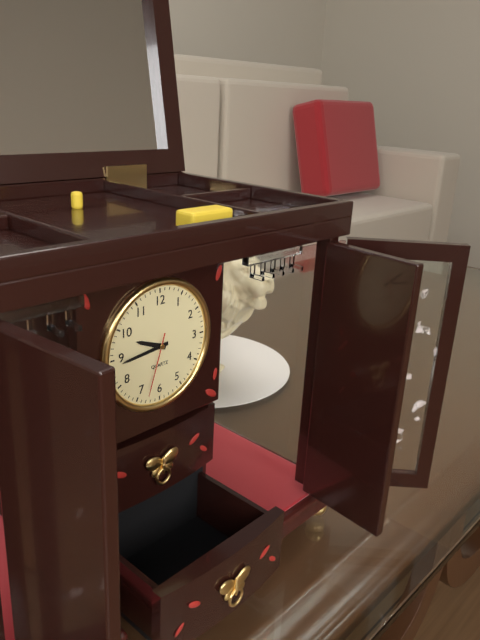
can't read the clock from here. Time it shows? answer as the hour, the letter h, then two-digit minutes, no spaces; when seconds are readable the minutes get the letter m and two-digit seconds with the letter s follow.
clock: 9h44m33s
